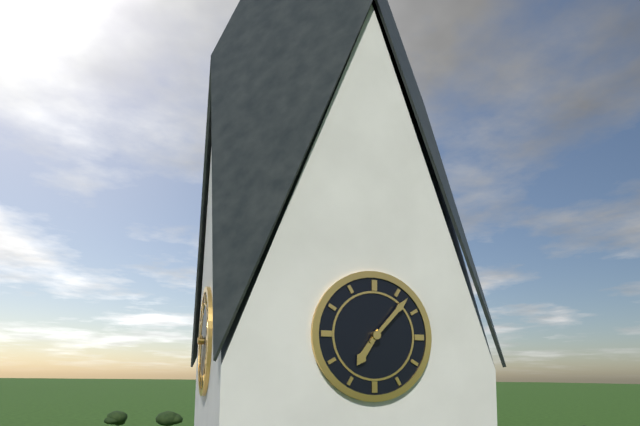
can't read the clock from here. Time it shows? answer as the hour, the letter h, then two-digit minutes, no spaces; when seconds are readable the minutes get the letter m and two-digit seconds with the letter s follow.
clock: 7h07
